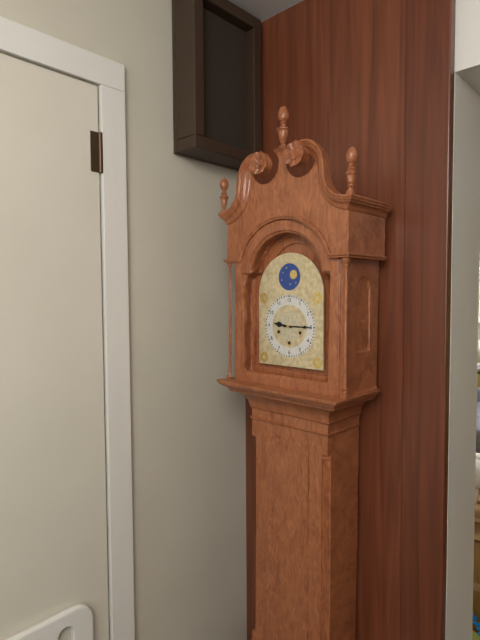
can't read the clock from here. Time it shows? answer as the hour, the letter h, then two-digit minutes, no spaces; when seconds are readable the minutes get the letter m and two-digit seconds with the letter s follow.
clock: 9h15
